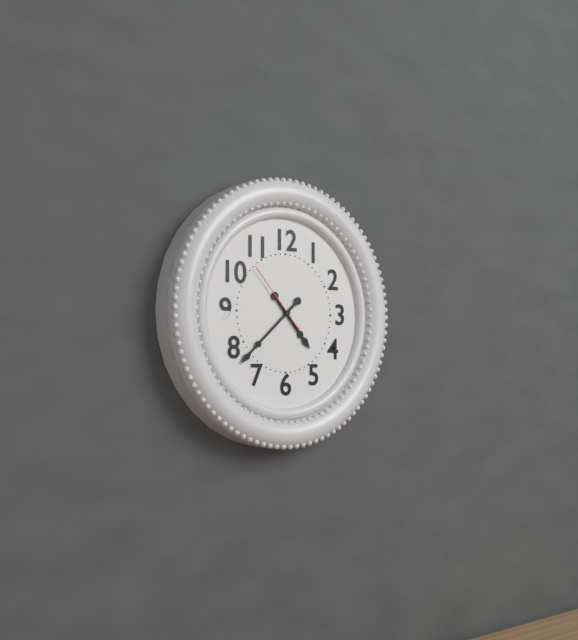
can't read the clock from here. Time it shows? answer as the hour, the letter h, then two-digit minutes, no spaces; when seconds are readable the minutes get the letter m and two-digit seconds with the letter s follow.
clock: 4h38m53s
